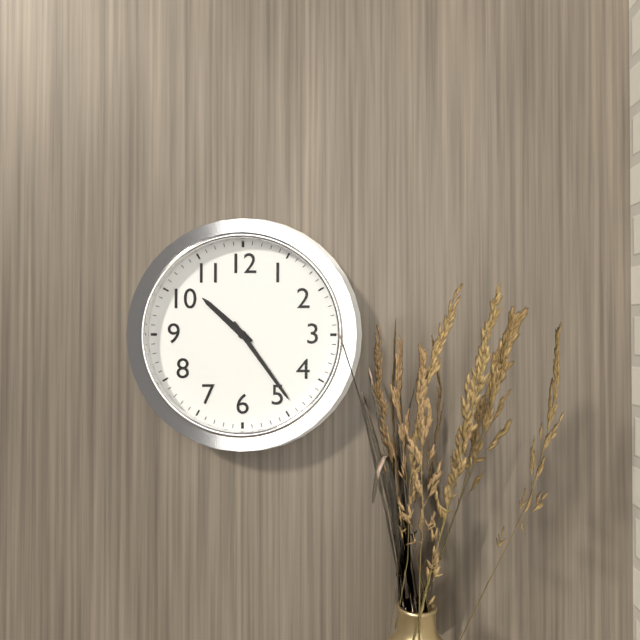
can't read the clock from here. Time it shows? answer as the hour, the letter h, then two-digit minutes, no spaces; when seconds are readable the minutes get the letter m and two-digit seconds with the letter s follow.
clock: 10h24
